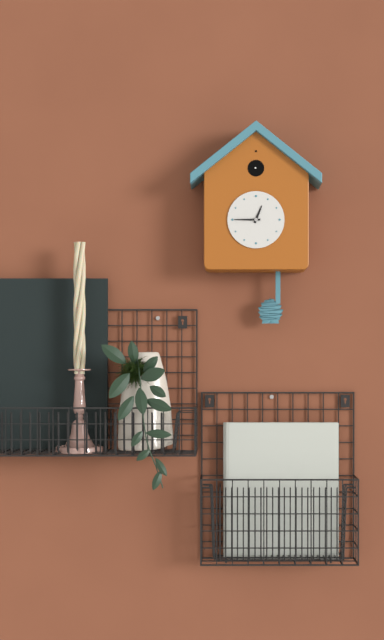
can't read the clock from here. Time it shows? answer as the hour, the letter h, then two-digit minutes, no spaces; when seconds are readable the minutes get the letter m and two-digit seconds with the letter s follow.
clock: 12h45
